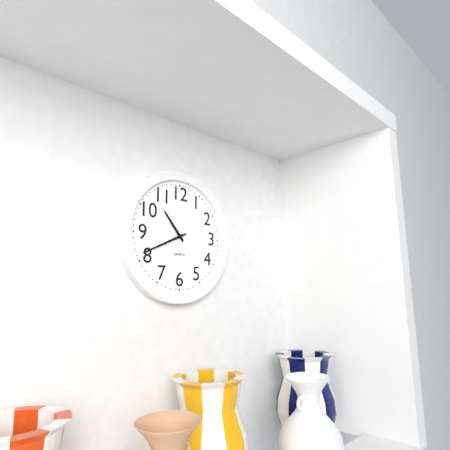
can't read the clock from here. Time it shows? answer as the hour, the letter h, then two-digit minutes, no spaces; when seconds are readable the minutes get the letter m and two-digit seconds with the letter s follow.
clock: 10h41
